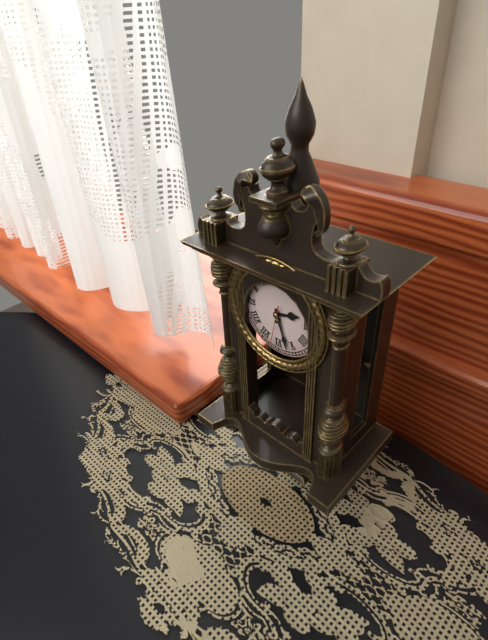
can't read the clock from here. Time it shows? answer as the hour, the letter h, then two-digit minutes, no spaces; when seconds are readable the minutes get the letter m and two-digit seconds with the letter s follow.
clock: 2h27
